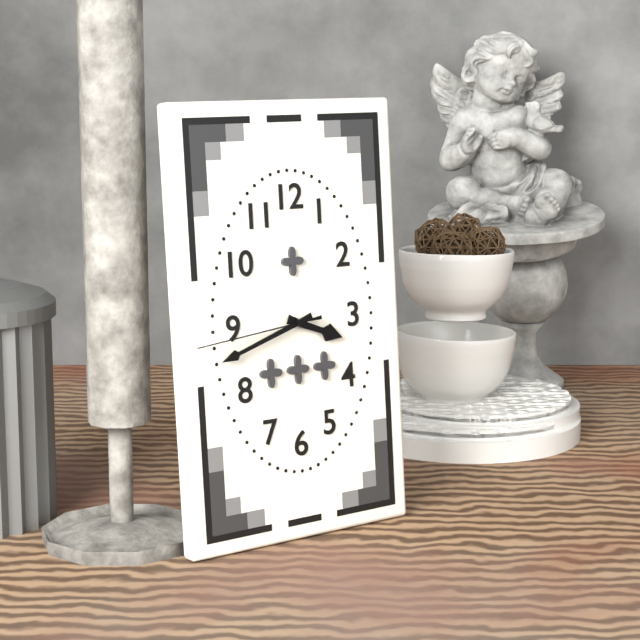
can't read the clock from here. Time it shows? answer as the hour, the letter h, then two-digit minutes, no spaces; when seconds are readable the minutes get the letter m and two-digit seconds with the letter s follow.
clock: 3h42m44s
